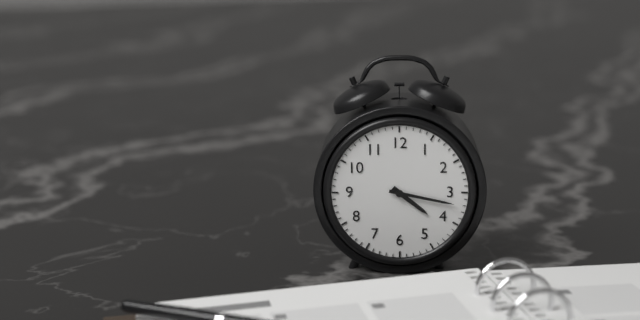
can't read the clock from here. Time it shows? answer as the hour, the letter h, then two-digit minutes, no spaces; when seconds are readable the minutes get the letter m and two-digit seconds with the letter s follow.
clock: 4h17
